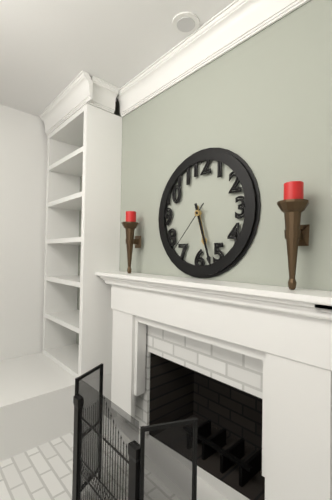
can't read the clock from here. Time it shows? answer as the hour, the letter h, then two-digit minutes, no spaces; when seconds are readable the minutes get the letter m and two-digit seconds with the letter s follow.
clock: 5h27m37s
